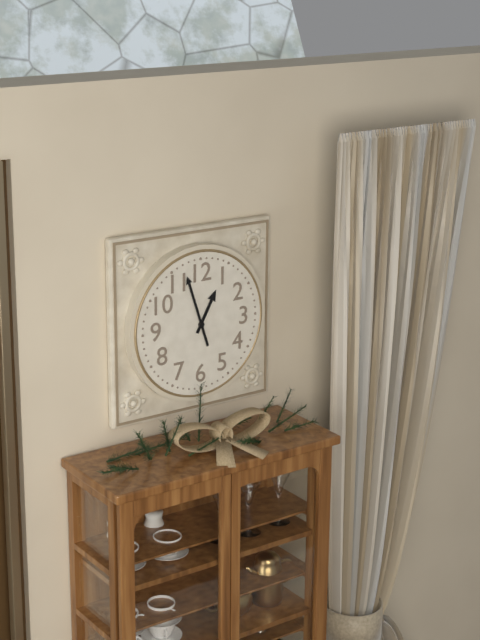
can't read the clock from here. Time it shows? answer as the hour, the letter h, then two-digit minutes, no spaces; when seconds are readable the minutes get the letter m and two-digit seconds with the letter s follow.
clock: 12h57
